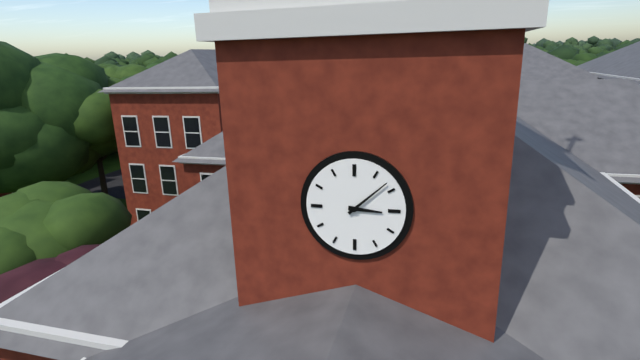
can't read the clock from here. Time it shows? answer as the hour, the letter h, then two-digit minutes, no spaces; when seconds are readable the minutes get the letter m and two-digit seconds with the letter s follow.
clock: 3h08
